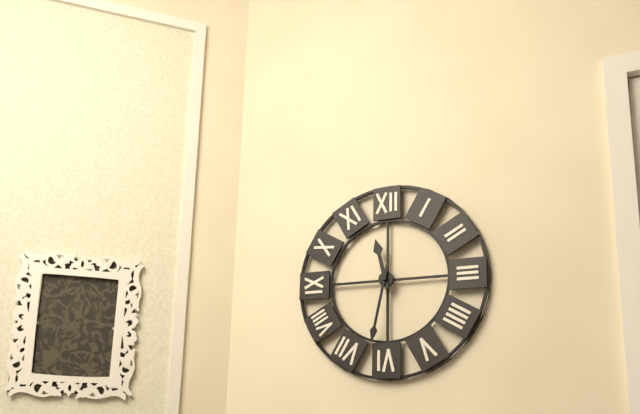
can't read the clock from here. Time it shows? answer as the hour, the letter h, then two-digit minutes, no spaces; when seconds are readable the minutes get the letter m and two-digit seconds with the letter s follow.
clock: 11h32
